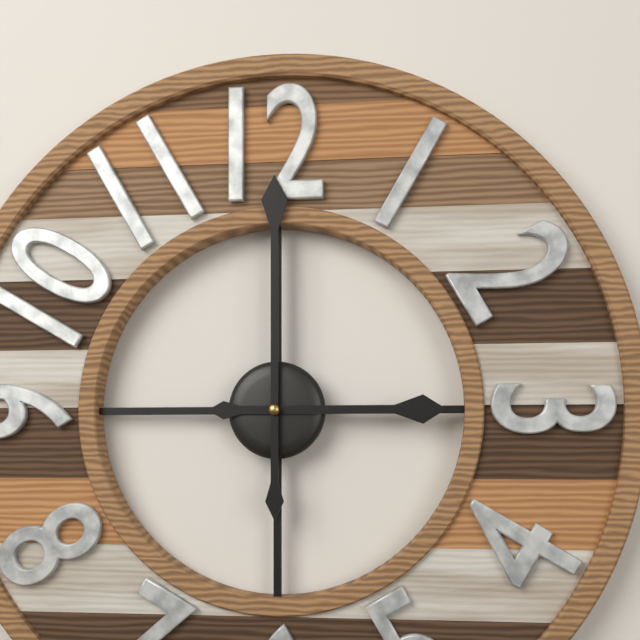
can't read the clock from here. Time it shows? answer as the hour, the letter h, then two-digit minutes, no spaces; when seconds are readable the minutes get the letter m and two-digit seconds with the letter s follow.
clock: 3h00
